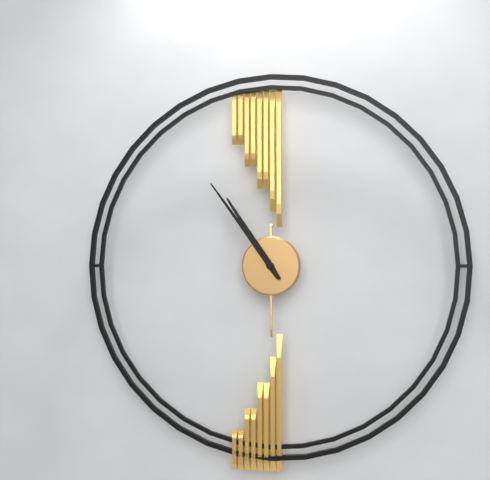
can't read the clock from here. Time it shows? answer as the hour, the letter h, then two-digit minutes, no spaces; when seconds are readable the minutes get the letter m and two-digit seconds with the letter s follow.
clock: 10h54
